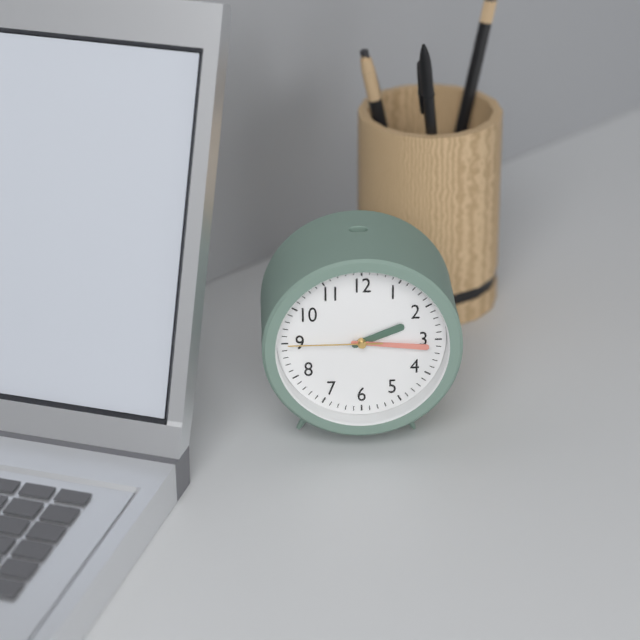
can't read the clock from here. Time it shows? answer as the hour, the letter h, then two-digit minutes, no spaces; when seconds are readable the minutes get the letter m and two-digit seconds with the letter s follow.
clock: 2h16m45s
